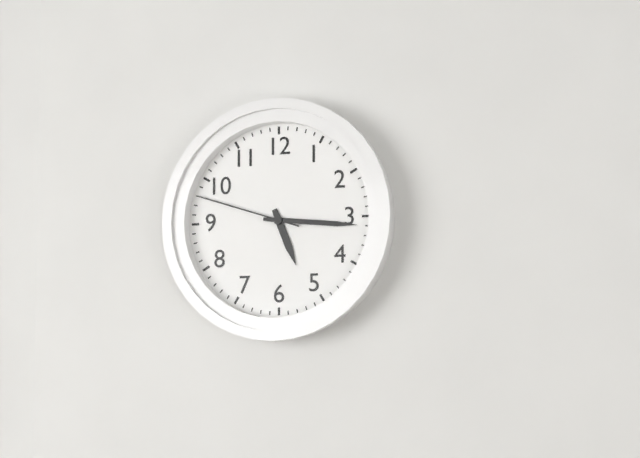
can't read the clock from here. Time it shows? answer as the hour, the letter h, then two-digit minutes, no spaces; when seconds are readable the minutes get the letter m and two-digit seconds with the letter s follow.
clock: 5h16m48s
